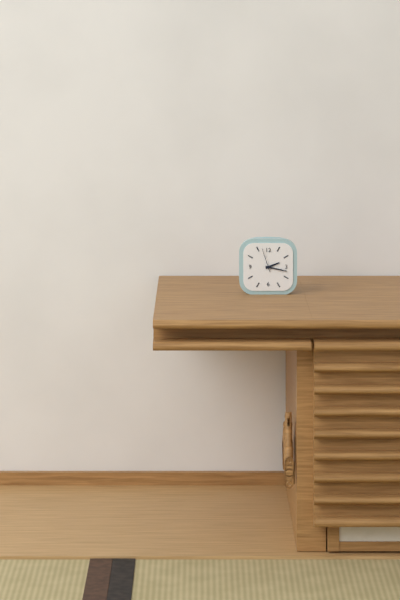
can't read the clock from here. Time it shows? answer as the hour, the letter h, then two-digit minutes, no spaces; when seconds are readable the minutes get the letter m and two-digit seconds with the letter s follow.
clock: 2h17
